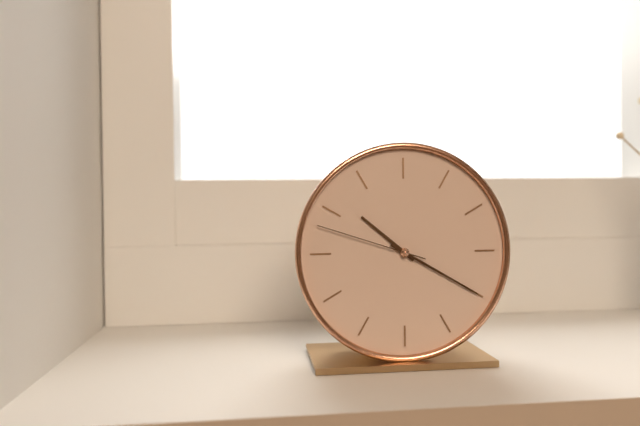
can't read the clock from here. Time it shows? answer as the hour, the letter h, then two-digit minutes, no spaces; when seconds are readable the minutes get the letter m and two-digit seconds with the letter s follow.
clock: 10h20m48s
